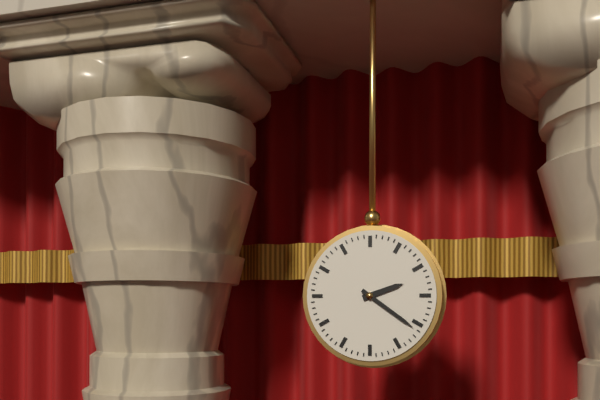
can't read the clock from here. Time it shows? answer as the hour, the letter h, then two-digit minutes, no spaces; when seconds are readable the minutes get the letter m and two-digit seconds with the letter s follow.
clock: 2h21
